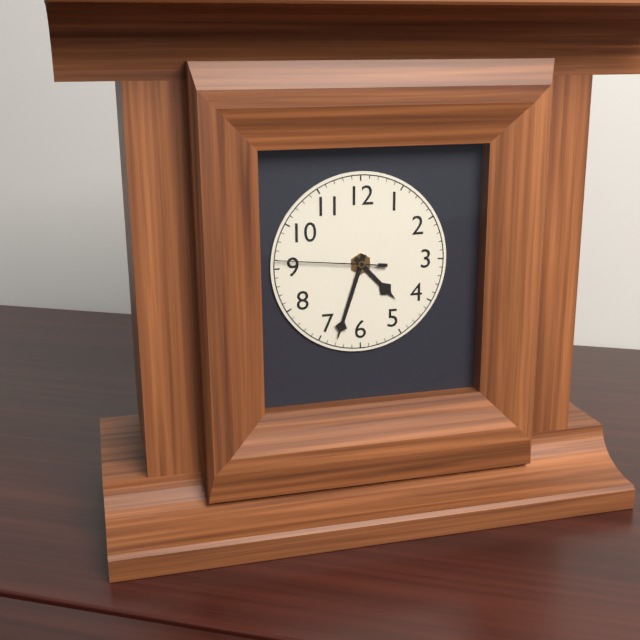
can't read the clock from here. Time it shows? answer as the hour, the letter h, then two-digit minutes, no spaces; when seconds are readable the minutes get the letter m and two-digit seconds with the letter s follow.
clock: 4h33m46s
